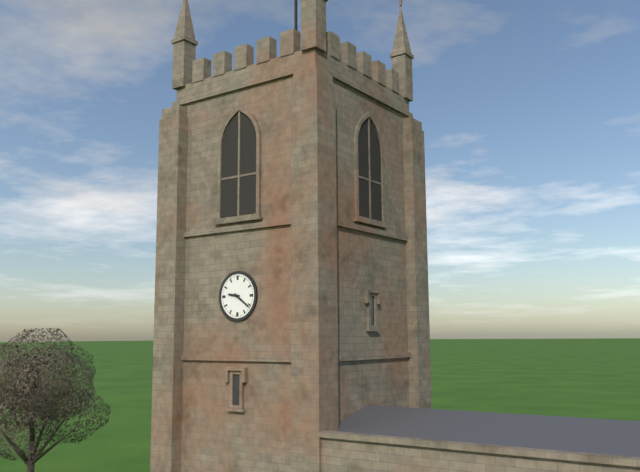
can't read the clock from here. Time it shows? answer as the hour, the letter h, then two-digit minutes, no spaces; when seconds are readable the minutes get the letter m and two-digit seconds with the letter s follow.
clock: 9h21
